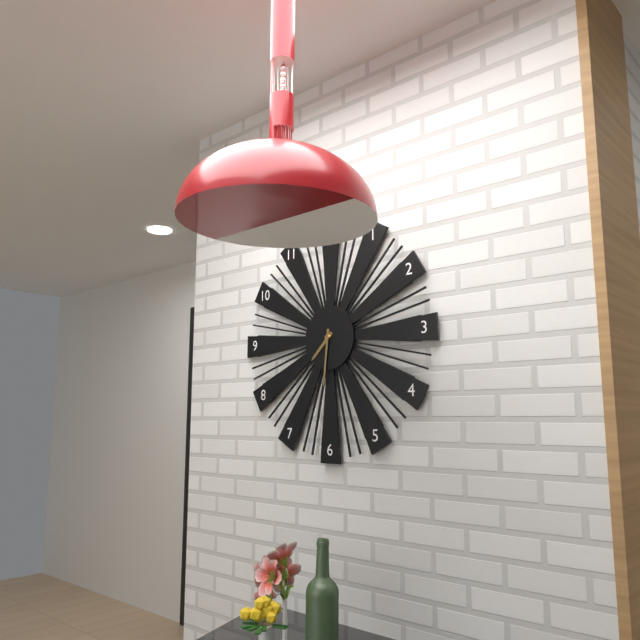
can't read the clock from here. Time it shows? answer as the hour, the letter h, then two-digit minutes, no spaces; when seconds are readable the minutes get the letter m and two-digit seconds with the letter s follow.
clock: 7h31
